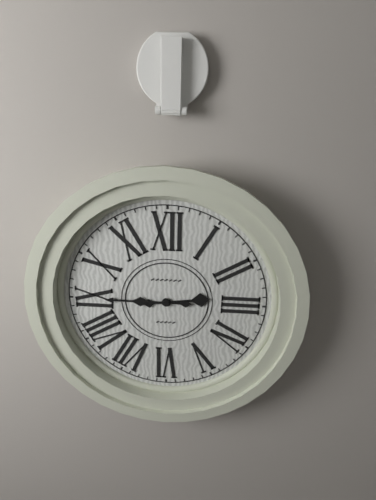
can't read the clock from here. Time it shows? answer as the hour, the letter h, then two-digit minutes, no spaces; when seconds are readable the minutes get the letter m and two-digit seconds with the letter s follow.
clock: 2h45
